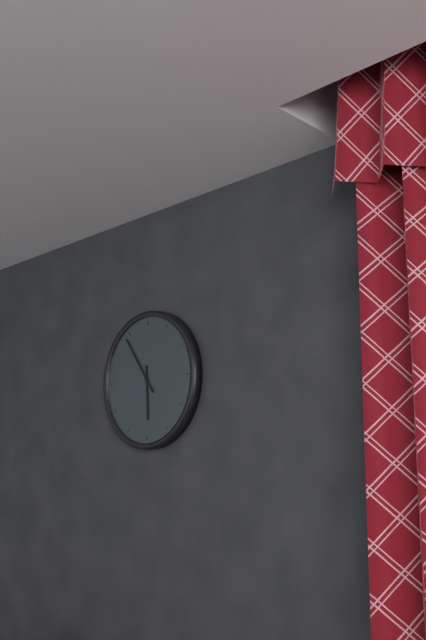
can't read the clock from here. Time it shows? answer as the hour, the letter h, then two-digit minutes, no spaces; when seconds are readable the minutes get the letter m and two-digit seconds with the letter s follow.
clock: 5h54
